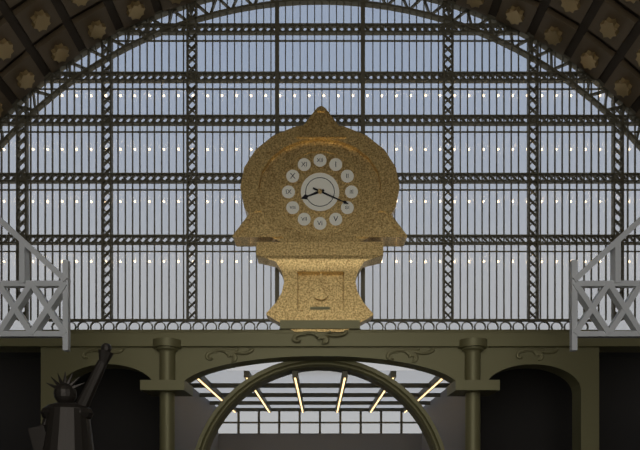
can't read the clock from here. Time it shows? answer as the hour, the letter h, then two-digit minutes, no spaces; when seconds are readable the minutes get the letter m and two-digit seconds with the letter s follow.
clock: 8h19
